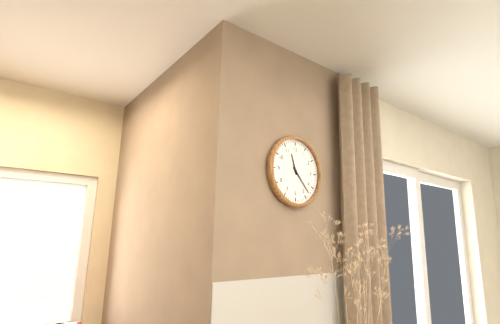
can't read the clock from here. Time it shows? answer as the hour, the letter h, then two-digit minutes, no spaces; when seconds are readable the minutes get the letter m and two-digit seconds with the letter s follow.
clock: 11h23
